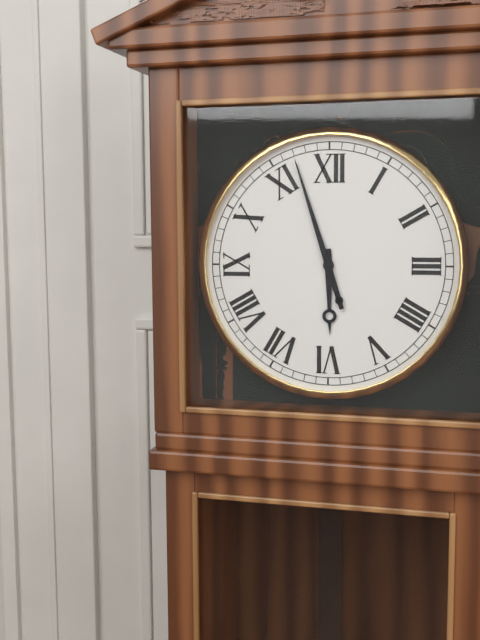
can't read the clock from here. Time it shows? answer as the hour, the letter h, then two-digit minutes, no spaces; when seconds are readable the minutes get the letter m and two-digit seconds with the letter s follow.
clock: 5h57
